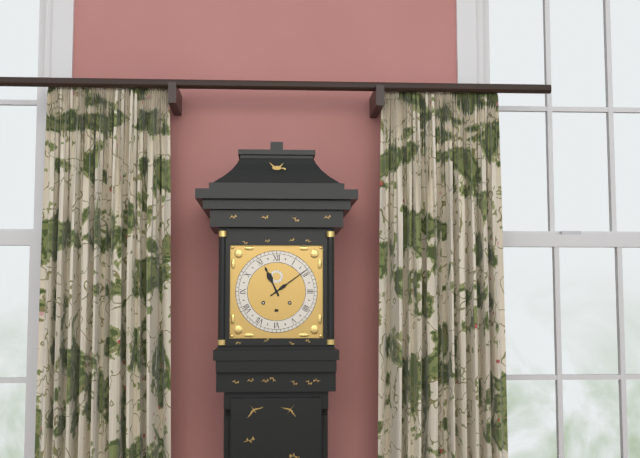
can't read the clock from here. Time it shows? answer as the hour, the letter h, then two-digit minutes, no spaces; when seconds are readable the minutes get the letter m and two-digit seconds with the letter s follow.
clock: 11h09
